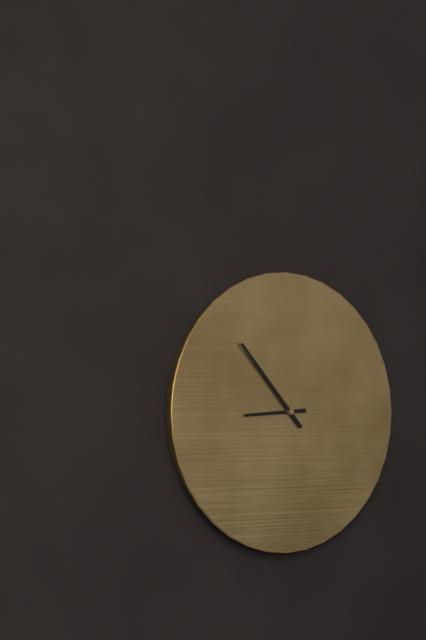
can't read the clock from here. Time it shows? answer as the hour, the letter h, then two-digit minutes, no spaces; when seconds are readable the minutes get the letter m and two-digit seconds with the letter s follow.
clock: 8h53
